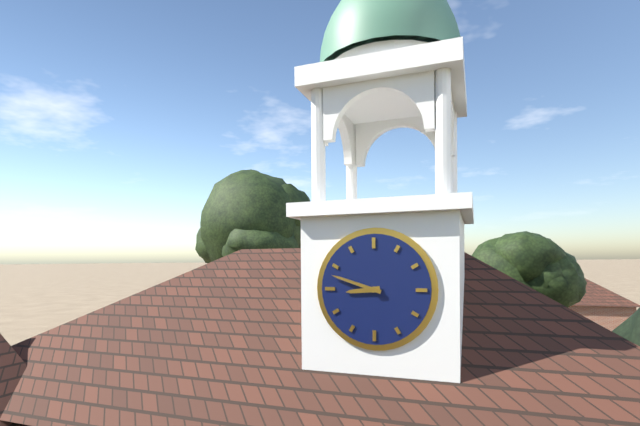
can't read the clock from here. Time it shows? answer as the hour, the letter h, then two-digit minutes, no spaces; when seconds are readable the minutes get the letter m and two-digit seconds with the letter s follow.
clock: 8h48
